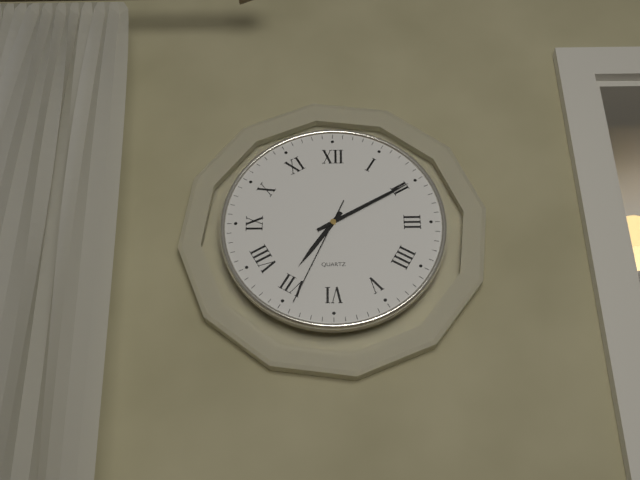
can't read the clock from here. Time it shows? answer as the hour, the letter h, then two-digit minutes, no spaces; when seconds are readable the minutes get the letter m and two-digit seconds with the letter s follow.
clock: 7h10m34s
